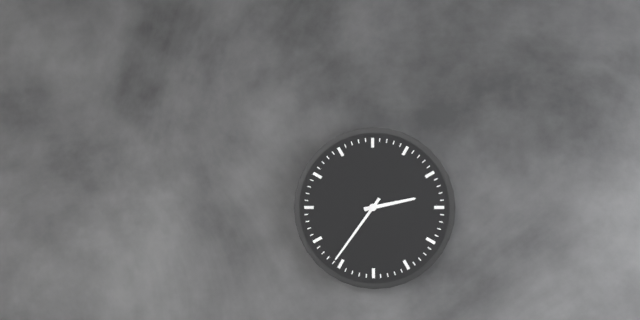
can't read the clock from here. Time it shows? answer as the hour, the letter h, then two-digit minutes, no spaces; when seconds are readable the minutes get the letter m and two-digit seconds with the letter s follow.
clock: 2h36
